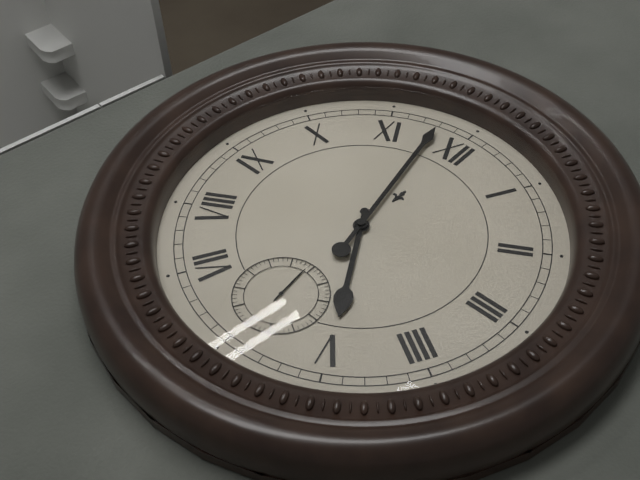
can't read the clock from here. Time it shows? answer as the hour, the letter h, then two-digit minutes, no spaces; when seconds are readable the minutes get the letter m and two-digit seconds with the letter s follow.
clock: 4h58
